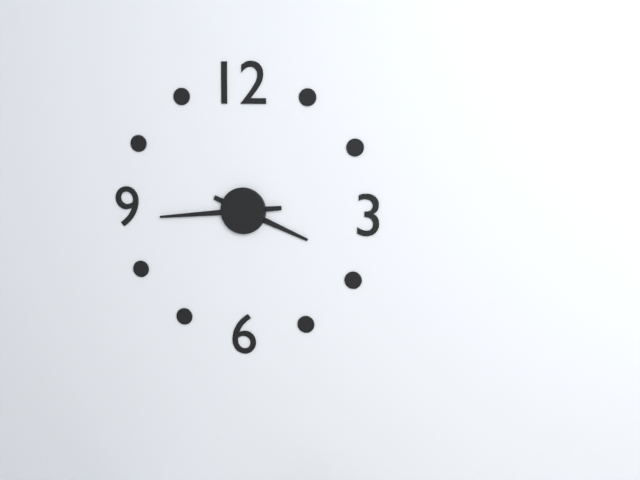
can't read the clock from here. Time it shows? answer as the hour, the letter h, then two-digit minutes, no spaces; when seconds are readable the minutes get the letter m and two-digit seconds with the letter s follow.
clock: 3h44
